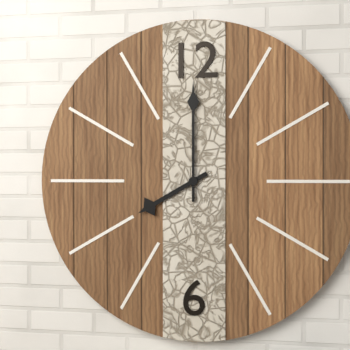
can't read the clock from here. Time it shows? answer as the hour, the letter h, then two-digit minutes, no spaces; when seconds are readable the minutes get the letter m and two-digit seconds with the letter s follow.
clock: 8h00
